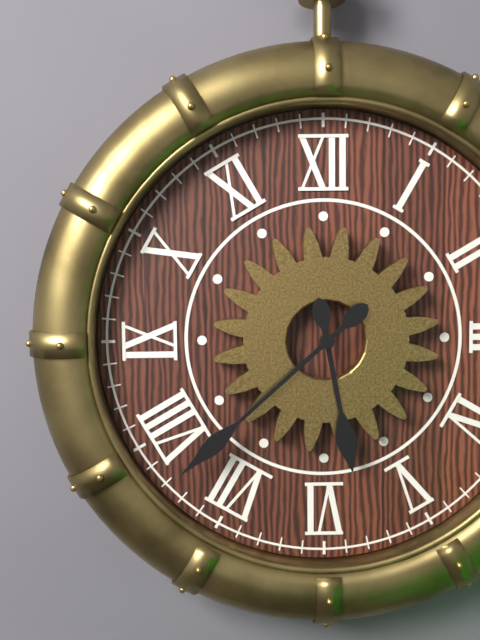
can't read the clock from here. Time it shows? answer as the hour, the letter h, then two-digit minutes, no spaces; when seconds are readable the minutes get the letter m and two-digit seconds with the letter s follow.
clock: 5h38
